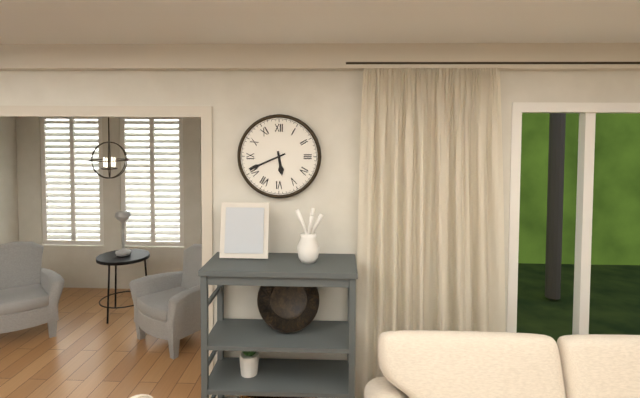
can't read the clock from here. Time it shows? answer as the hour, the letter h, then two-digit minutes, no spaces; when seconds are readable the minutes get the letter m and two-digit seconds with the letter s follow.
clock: 5h41
